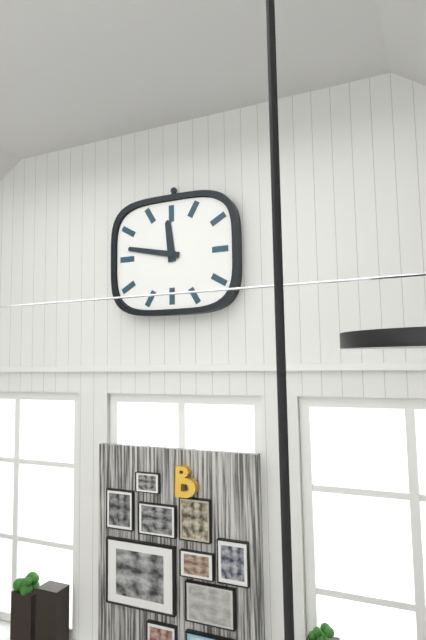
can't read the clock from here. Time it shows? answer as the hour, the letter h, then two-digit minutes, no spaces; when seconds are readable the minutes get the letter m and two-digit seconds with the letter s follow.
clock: 11h47
